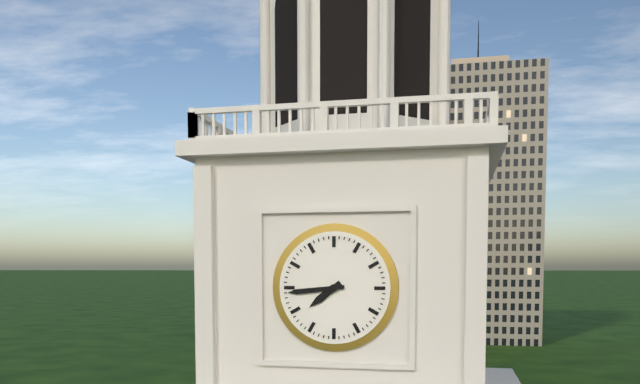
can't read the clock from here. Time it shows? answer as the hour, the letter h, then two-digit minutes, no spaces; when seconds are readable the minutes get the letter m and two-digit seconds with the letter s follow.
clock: 7h44
